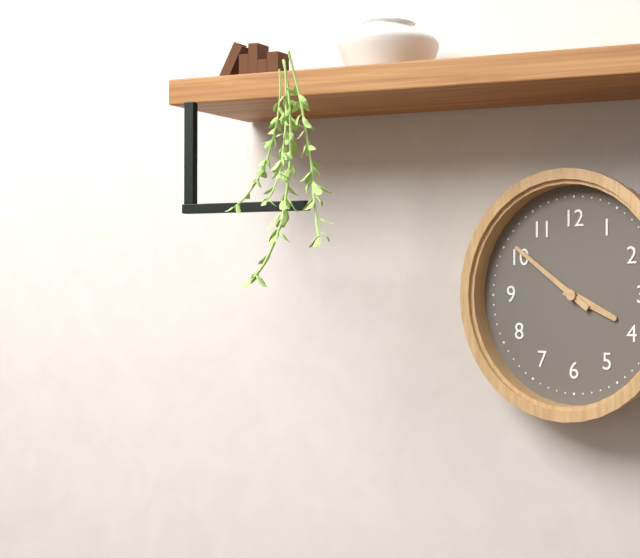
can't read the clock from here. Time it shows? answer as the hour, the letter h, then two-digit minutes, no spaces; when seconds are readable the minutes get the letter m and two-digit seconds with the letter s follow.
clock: 3h51
